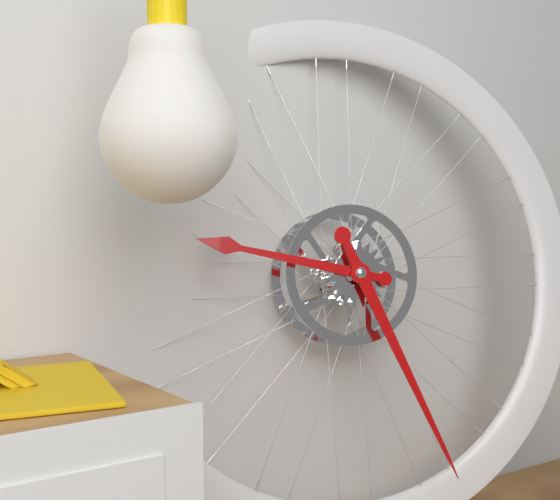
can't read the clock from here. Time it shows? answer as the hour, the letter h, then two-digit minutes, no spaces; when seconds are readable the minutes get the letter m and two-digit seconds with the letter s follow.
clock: 9h26
